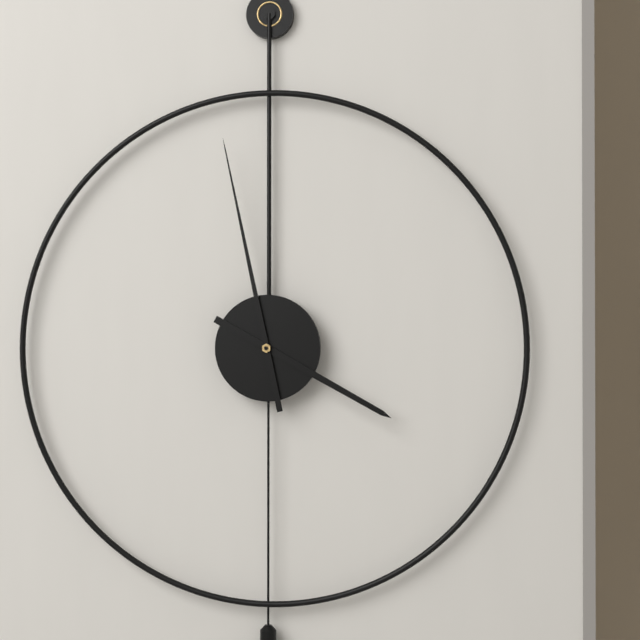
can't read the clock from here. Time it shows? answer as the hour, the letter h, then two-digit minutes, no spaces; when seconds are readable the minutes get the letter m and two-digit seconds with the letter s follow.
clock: 3h58
